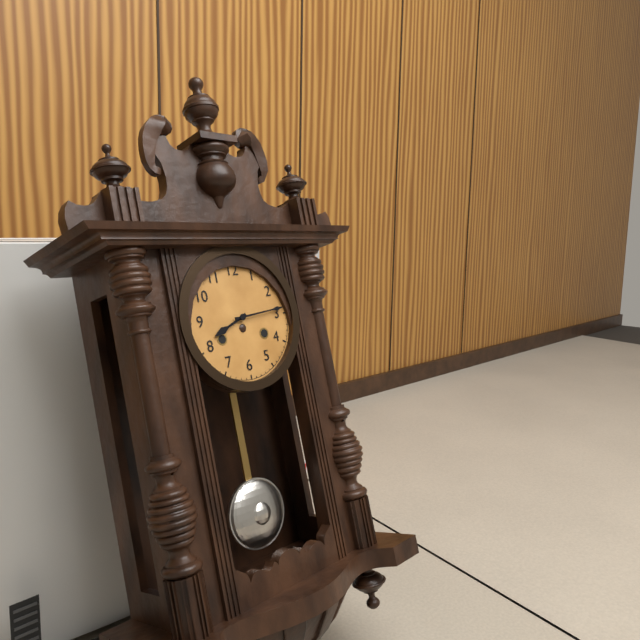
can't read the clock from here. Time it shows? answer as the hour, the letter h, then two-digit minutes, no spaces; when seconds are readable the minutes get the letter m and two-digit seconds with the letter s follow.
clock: 8h14
